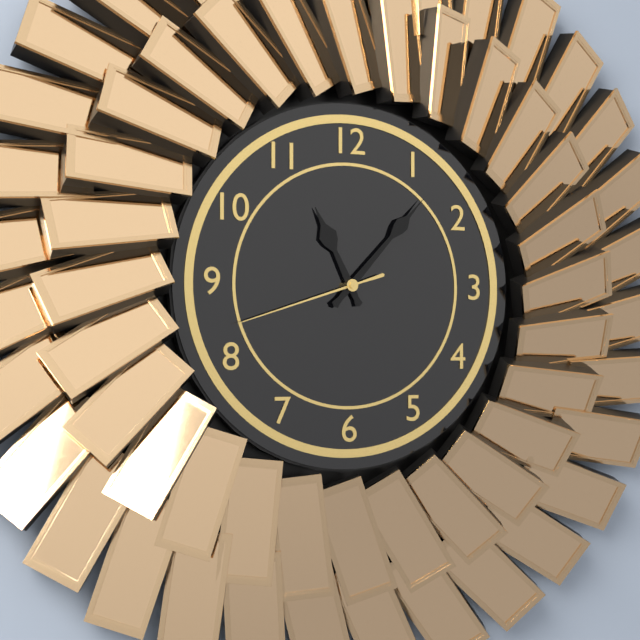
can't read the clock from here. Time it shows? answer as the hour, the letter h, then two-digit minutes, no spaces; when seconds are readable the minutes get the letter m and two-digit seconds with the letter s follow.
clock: 11h07m42s
